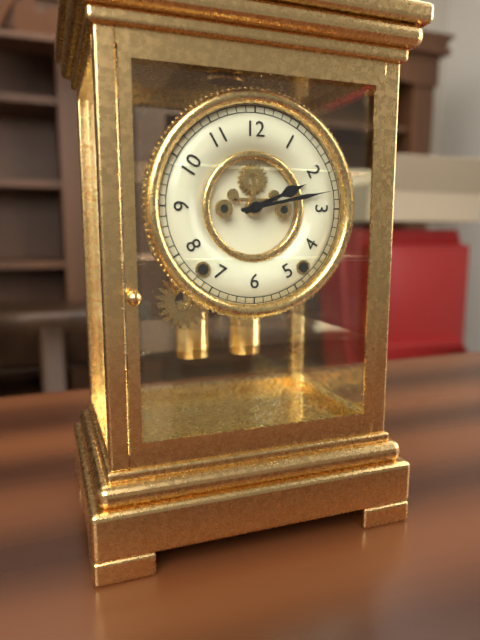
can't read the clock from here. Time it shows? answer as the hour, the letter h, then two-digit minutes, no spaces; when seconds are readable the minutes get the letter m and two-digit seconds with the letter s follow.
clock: 2h13
